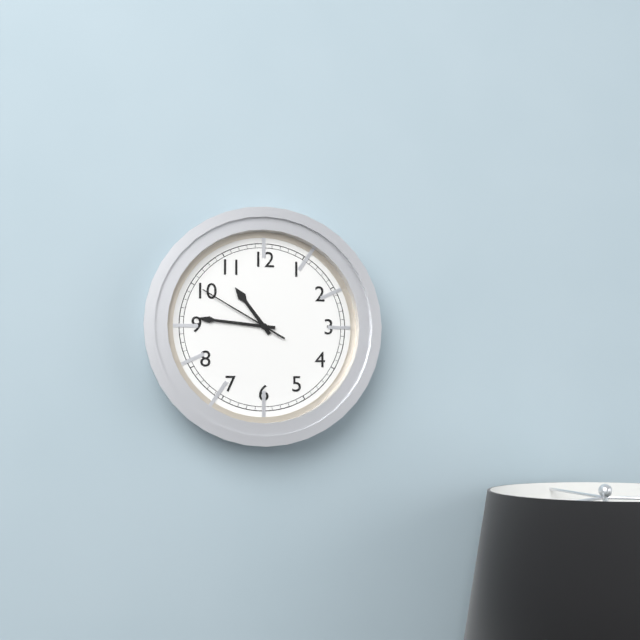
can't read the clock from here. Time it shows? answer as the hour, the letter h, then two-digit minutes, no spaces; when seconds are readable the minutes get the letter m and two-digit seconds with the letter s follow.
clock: 10h46m50s
